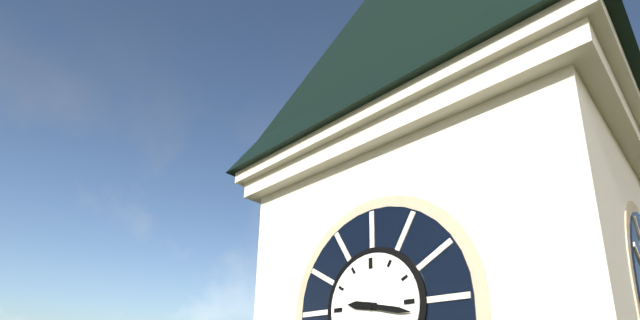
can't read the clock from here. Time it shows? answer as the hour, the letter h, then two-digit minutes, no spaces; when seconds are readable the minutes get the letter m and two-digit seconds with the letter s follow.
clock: 9h17
